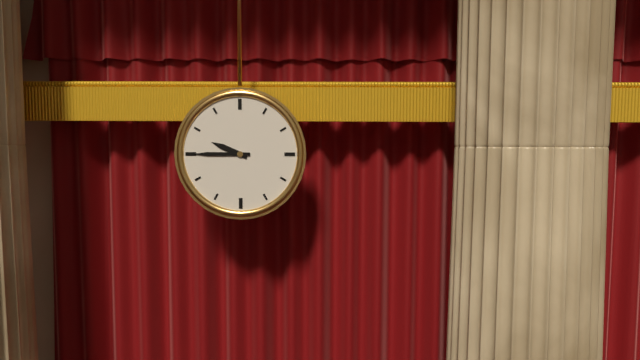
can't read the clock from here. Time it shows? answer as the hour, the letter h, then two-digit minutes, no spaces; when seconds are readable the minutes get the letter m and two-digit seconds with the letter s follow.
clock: 9h45
